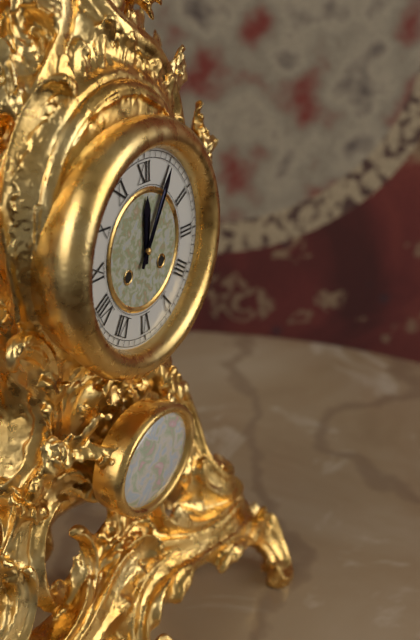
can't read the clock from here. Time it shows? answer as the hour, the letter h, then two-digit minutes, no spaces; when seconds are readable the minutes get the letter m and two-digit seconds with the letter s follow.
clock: 12h05
